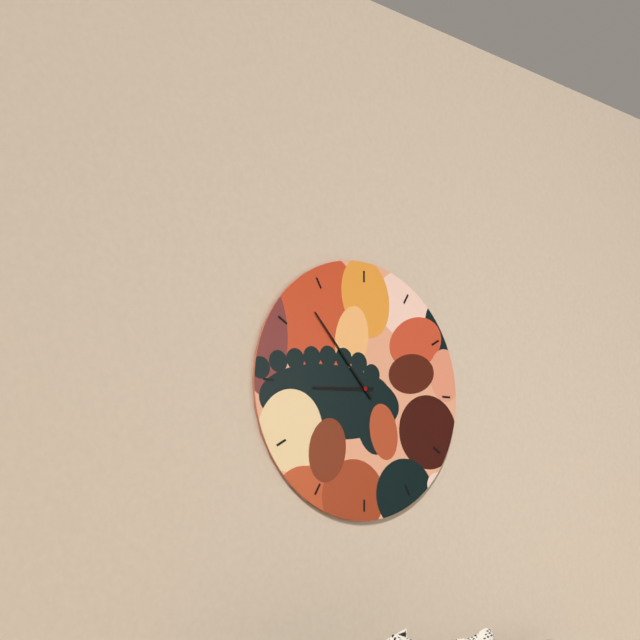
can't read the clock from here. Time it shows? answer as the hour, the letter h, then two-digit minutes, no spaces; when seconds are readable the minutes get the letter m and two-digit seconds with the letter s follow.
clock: 8h53
